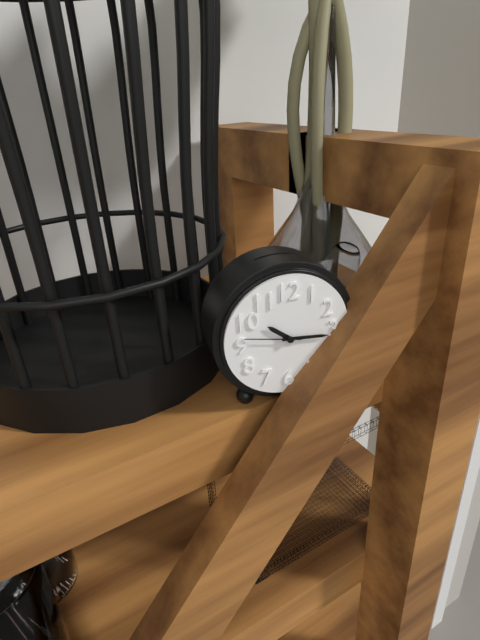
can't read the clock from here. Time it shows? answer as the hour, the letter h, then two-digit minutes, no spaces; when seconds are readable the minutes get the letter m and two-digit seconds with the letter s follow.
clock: 10h16m47s
